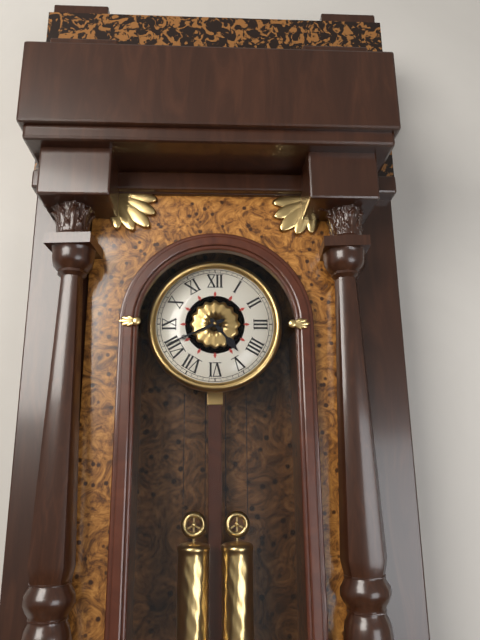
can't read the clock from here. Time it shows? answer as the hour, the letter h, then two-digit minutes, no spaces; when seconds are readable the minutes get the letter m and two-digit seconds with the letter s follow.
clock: 4h41
